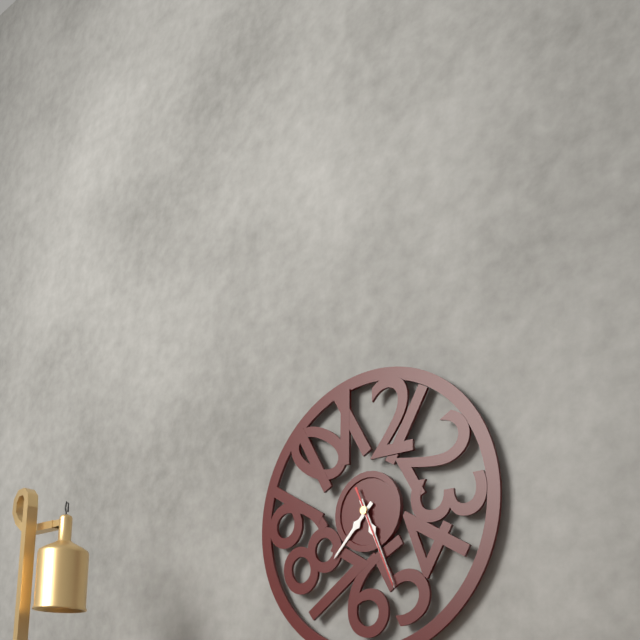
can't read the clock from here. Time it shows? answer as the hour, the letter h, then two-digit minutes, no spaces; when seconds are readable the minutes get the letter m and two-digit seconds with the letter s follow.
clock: 7h26m26s
